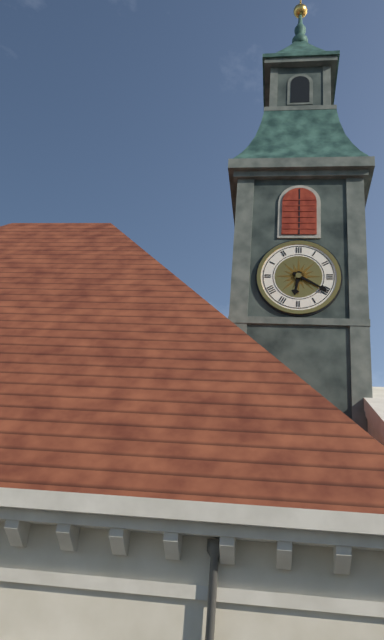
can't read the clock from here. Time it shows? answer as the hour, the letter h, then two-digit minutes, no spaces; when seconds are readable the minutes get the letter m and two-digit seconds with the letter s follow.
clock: 6h20
